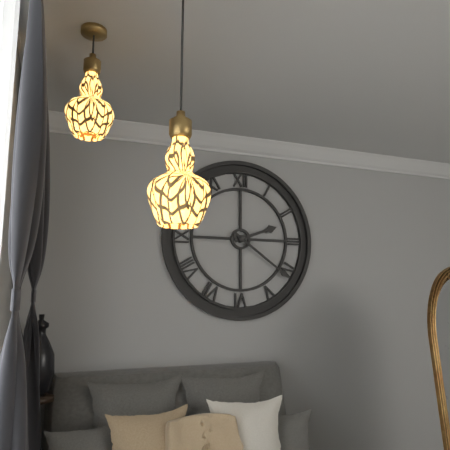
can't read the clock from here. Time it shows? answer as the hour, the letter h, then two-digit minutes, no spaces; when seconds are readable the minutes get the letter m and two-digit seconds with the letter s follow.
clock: 2h21
